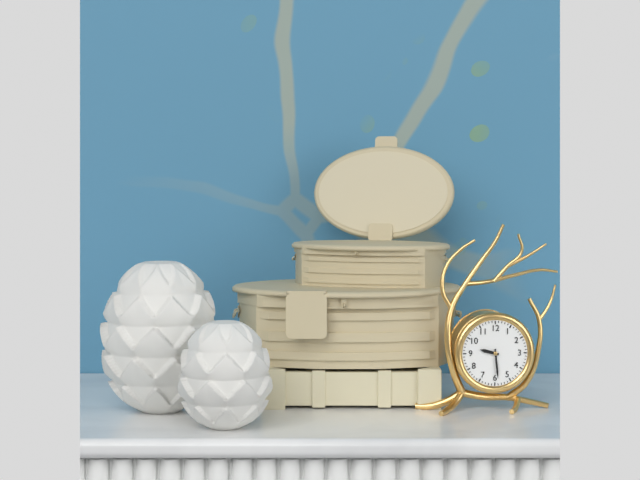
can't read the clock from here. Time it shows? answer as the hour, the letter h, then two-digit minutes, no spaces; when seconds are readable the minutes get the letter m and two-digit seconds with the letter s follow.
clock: 9h29
